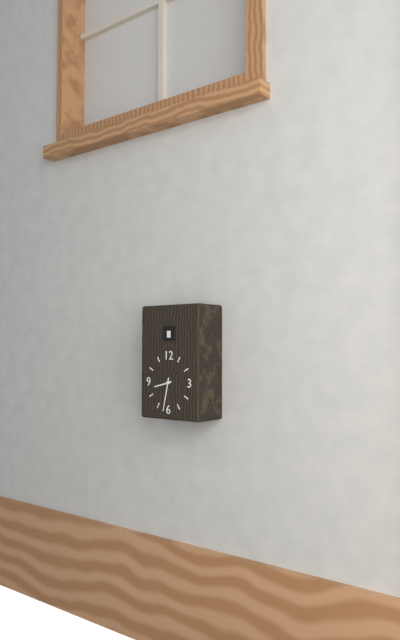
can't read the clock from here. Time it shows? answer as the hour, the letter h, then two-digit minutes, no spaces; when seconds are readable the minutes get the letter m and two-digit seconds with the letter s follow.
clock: 8h32
